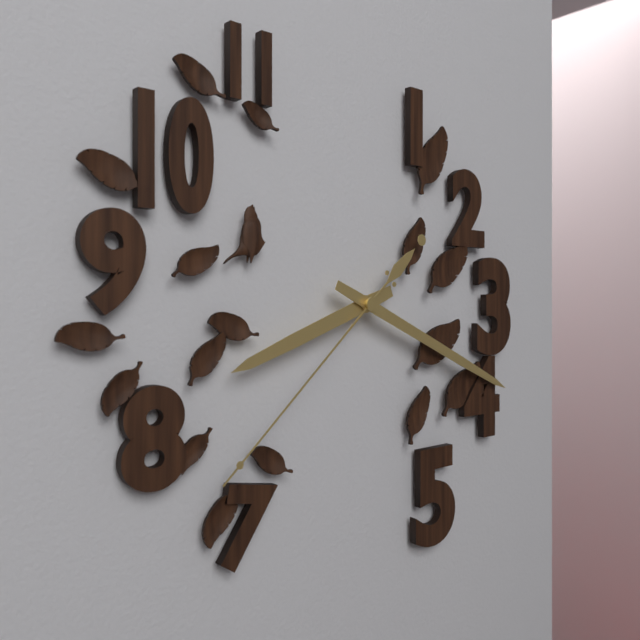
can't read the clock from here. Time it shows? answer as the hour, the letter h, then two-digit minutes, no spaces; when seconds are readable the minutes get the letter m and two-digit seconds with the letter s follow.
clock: 8h19m38s
